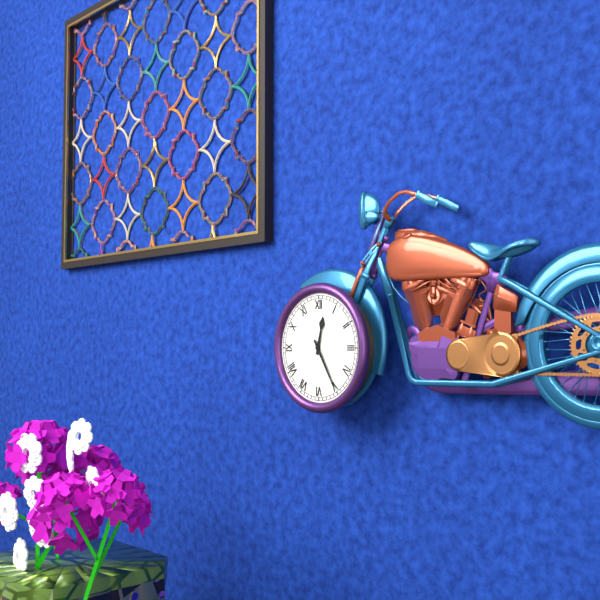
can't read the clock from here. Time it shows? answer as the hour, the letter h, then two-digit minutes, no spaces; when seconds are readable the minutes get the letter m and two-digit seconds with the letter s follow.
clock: 12h25
